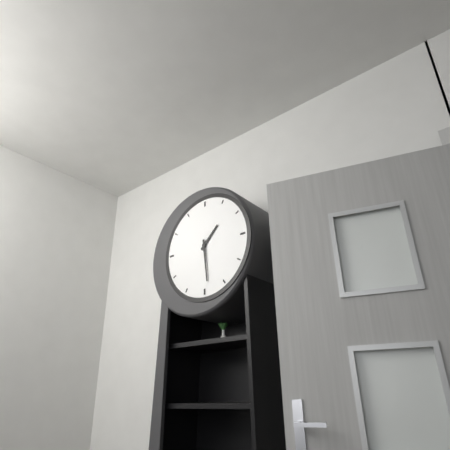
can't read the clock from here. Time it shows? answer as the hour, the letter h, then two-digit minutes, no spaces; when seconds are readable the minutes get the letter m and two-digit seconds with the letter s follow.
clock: 1h29
